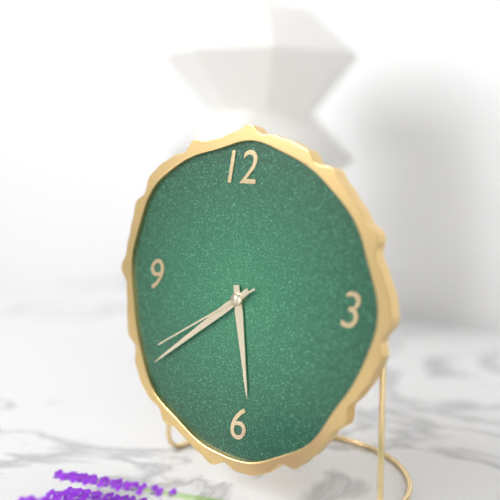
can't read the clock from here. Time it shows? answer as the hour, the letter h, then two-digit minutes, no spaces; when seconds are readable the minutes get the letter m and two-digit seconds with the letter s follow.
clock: 5h39m40s
